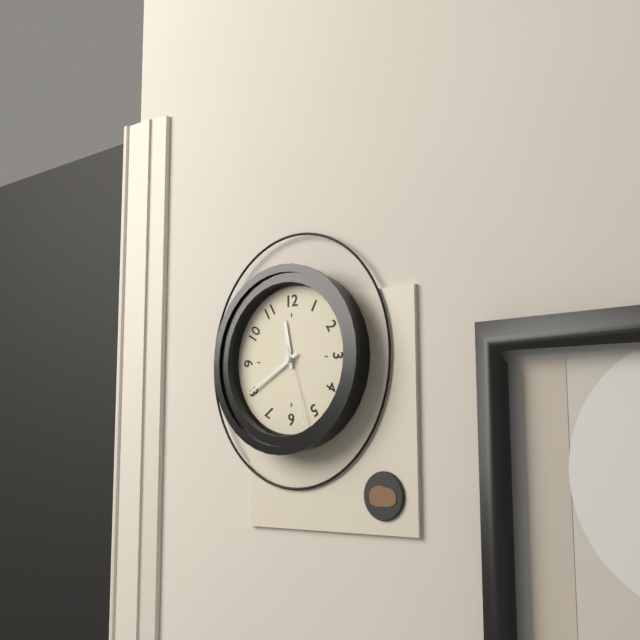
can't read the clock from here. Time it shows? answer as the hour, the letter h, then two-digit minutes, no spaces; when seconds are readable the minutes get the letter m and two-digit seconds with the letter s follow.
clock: 11h40m27s
